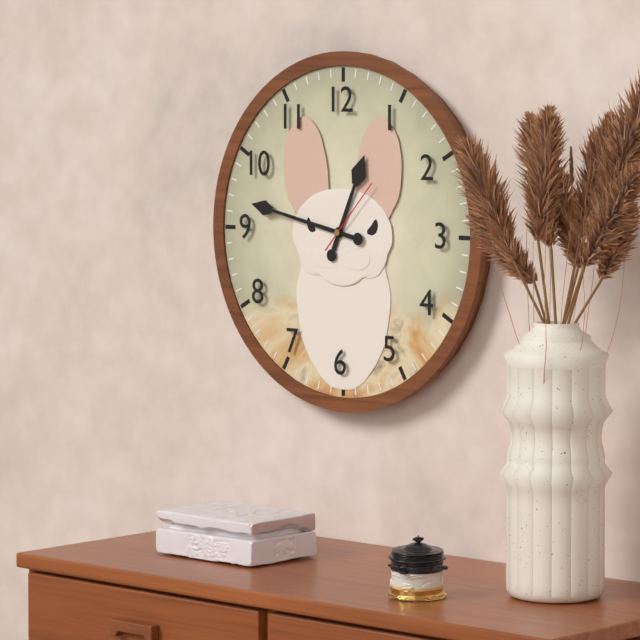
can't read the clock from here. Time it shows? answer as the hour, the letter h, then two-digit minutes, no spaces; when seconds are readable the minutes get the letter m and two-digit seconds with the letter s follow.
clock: 12h47m07s
